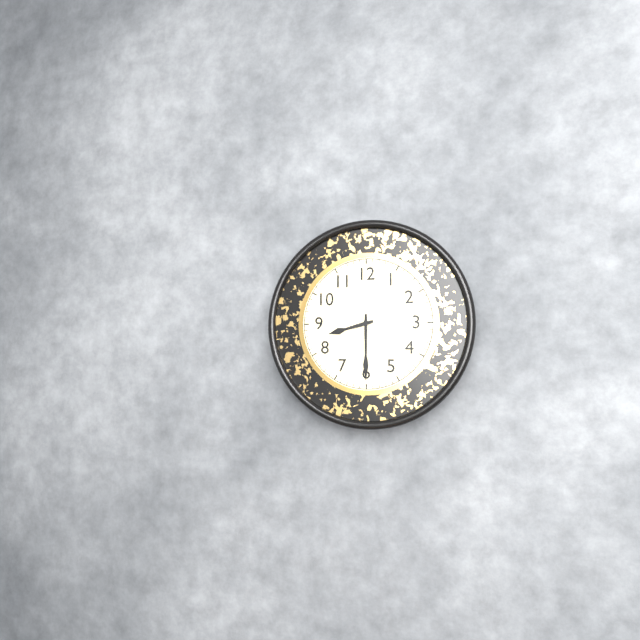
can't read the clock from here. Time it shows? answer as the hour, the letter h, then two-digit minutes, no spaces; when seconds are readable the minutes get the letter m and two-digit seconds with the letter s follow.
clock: 8h30
